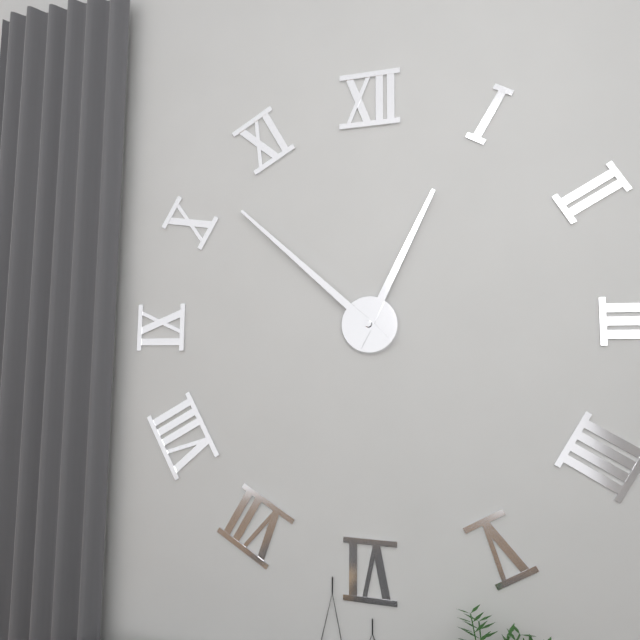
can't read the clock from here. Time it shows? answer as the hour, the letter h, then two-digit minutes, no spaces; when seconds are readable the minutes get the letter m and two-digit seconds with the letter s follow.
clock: 12h52
